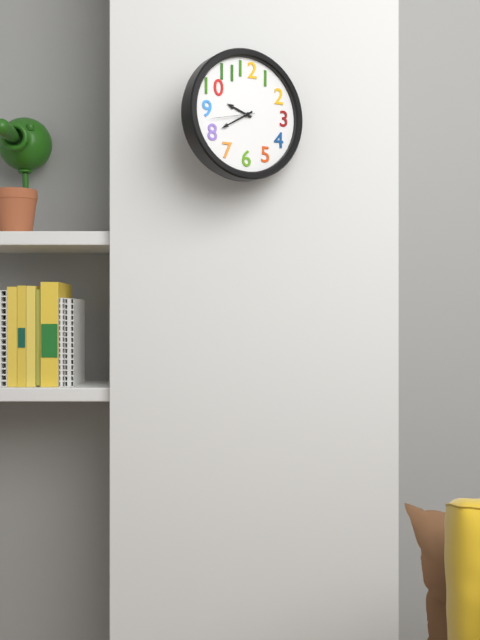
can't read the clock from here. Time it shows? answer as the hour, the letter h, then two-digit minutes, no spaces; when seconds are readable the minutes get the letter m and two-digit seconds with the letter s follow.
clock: 9h40
